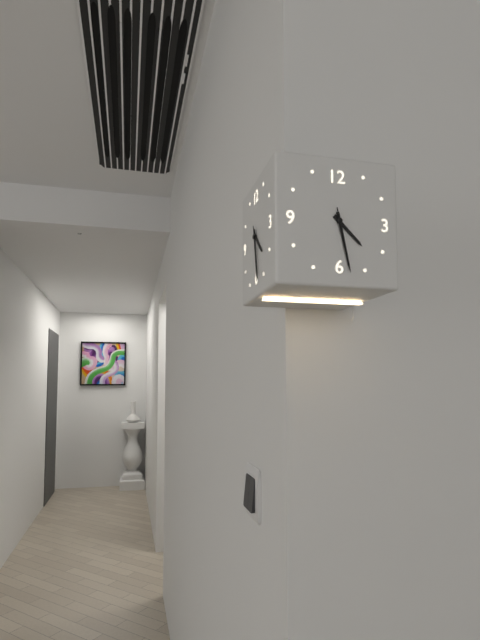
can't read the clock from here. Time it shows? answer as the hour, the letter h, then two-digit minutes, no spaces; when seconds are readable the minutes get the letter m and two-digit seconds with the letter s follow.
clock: 4h28m28s
